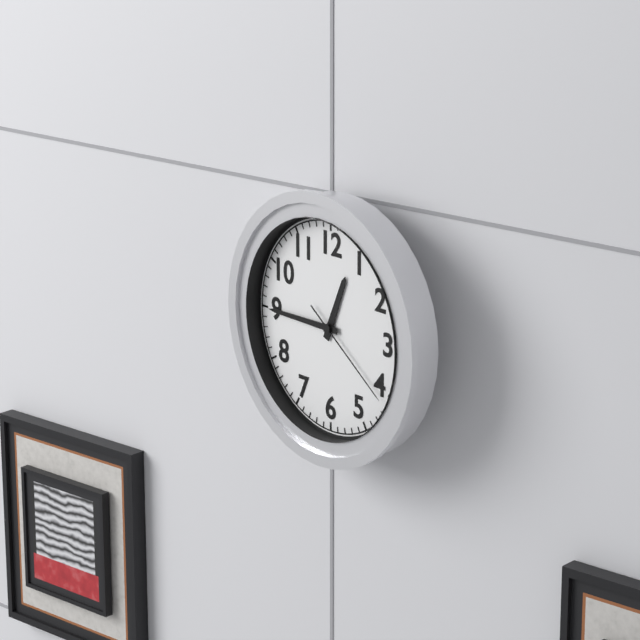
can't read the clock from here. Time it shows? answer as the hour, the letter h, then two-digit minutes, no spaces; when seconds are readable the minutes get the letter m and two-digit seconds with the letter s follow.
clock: 12h45m21s
